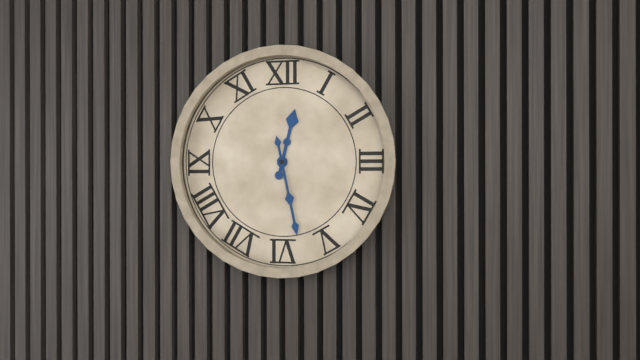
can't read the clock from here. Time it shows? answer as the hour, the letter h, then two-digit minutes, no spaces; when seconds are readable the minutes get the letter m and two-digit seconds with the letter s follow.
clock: 12h28
